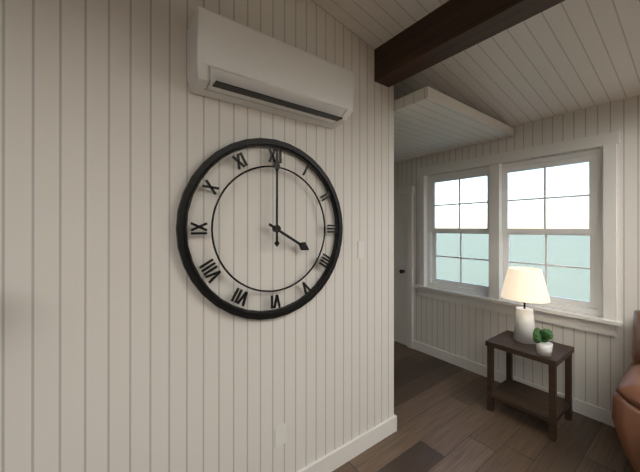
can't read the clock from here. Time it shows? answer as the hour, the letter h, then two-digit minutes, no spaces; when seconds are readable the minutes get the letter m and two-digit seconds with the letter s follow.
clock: 4h00
